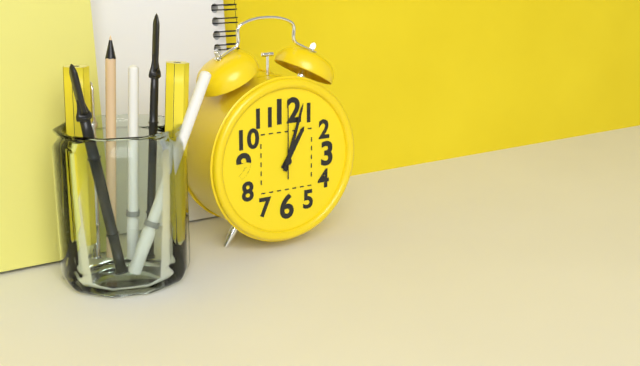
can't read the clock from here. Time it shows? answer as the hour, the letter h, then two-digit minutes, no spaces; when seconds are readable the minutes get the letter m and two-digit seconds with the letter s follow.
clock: 1h03m00s
